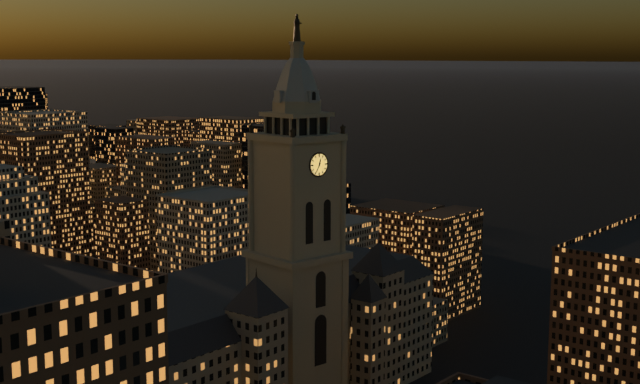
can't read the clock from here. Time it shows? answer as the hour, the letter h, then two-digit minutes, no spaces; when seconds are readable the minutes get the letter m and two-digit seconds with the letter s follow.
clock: 12h35
